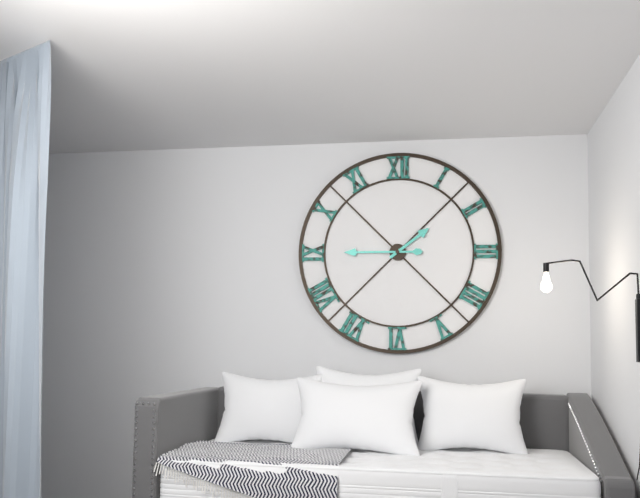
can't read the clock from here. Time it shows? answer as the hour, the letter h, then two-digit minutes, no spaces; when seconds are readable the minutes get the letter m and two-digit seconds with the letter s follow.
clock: 1h45
